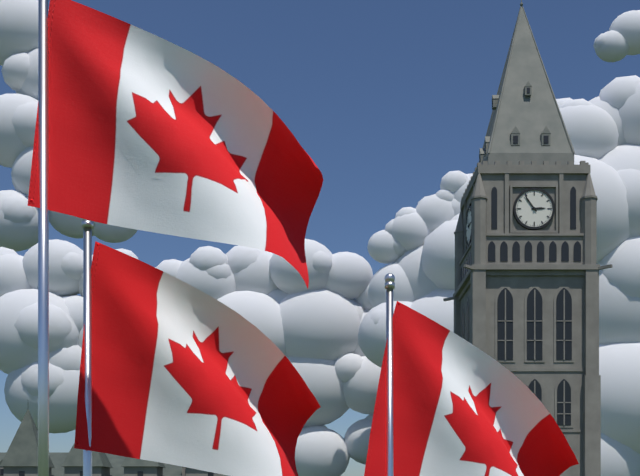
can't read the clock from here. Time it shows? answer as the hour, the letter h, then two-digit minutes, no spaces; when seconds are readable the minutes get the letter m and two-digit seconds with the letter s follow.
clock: 2h54
